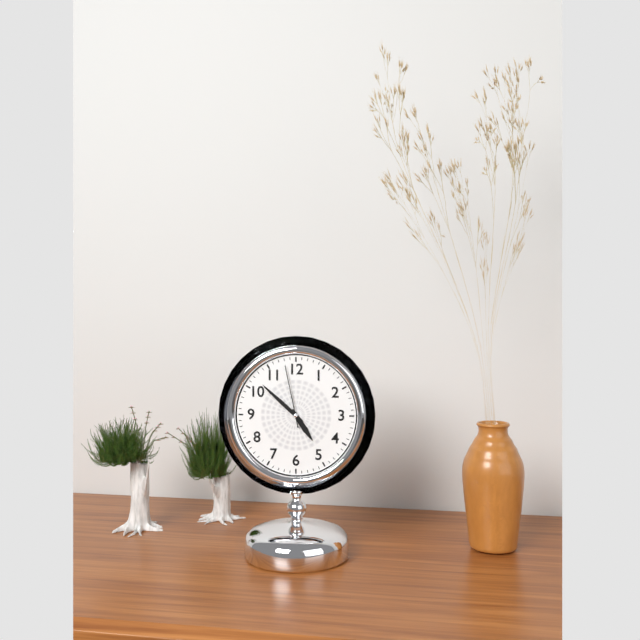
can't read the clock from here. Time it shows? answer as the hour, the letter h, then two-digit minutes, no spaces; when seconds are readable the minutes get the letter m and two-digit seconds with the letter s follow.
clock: 4h52m58s
